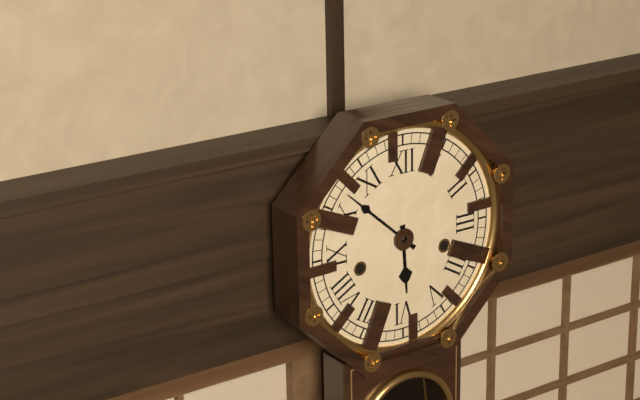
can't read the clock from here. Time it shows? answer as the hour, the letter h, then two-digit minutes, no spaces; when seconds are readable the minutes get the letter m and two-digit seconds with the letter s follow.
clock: 5h52
